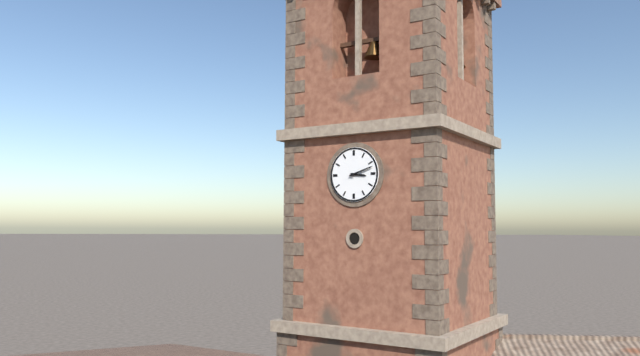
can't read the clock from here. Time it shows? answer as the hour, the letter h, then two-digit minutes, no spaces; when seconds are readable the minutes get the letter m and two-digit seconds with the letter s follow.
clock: 3h12
